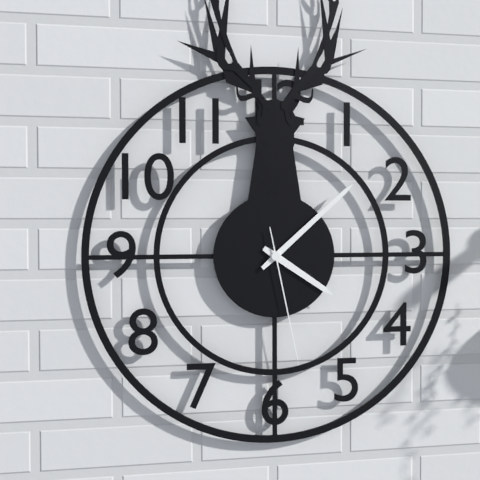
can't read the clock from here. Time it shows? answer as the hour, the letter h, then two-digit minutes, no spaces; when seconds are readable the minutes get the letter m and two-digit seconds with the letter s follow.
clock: 4h08m28s
